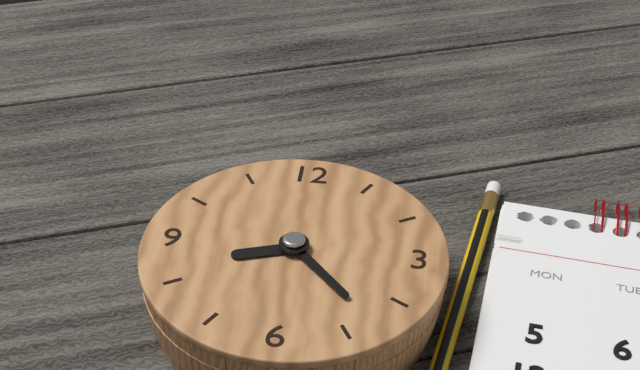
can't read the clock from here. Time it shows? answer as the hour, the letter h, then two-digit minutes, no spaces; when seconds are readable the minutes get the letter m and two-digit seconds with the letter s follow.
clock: 8h23
